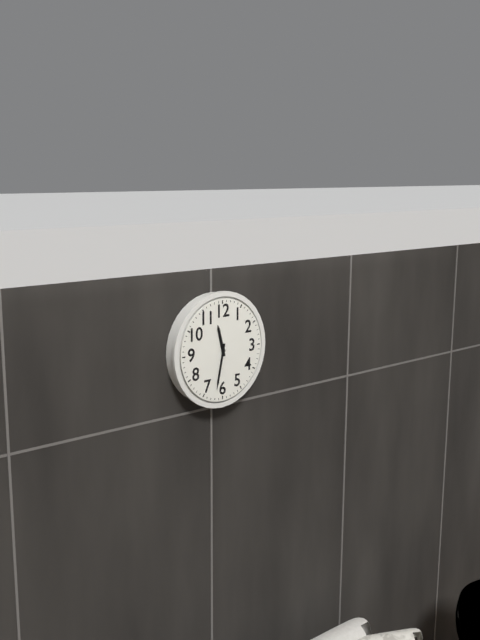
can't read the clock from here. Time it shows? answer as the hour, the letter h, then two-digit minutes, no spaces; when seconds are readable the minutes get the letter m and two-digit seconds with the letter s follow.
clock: 11h32
